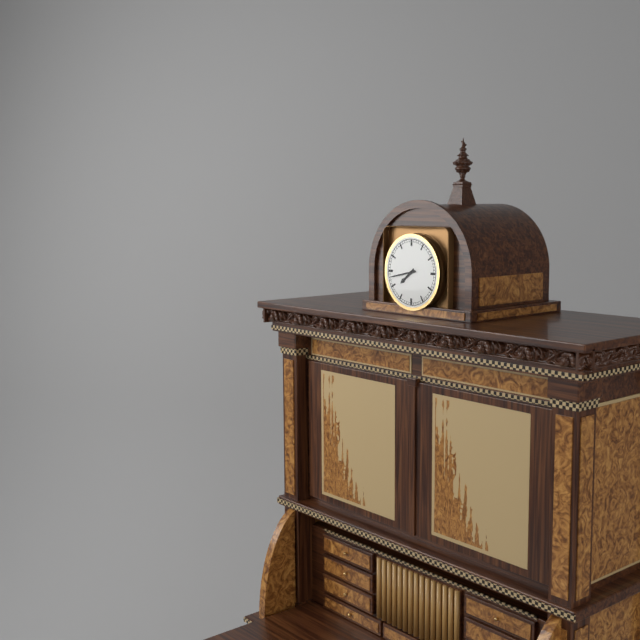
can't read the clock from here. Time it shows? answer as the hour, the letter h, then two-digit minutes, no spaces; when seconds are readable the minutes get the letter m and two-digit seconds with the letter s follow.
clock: 7h43
